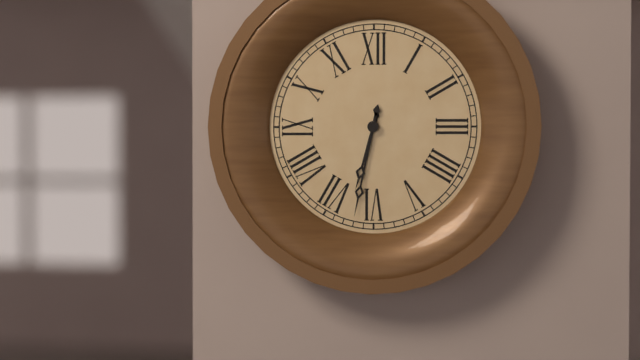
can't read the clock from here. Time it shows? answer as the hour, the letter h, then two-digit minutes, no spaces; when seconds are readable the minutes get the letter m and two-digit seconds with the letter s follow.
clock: 6h32
